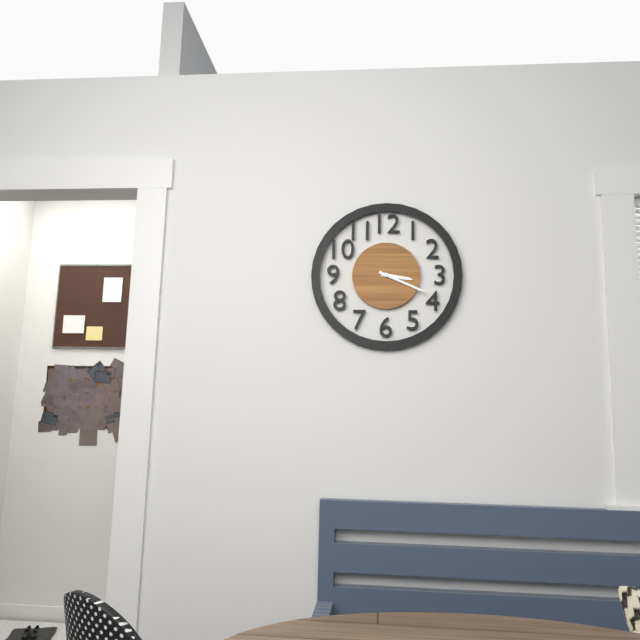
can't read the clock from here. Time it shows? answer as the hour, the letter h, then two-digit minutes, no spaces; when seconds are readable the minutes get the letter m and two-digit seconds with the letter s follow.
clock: 3h19
